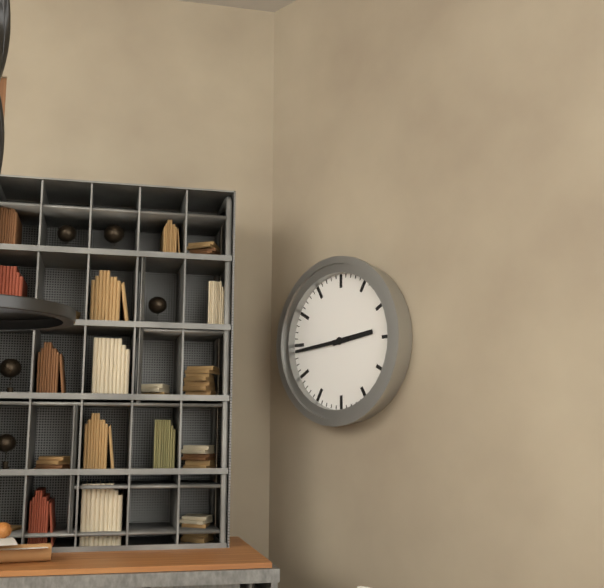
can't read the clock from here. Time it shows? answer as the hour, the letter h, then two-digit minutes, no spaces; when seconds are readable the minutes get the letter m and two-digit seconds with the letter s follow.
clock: 2h44
